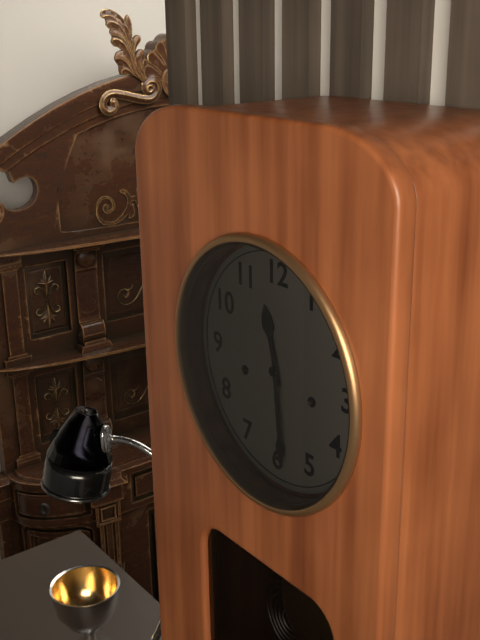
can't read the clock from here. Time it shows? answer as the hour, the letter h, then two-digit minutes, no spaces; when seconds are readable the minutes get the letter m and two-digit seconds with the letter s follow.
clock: 11h29
